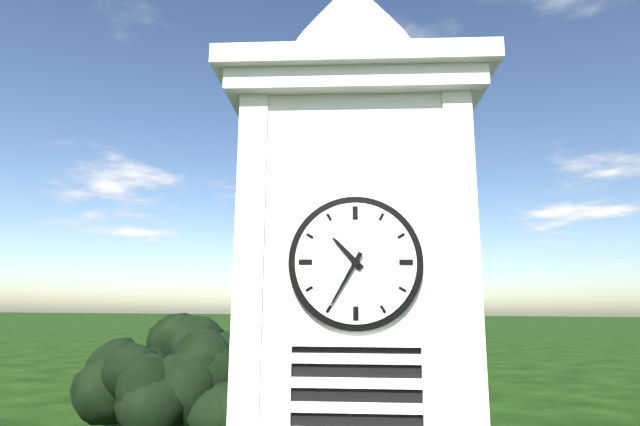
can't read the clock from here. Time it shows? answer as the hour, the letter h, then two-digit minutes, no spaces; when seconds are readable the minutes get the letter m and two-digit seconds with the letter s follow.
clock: 10h35
